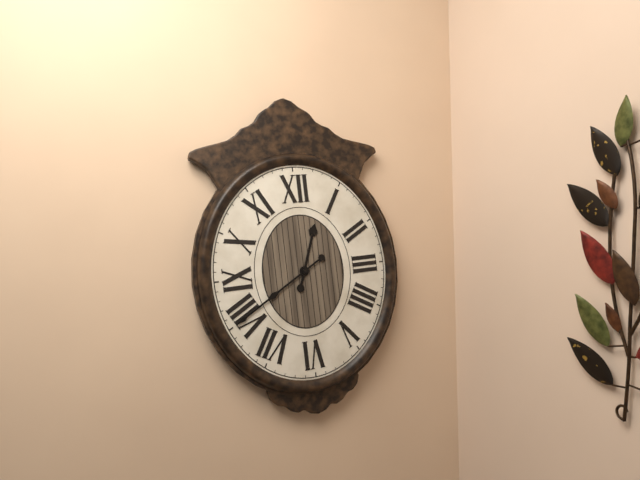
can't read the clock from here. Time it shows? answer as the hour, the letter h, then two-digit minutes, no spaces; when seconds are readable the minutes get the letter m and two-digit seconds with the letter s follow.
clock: 12h40
